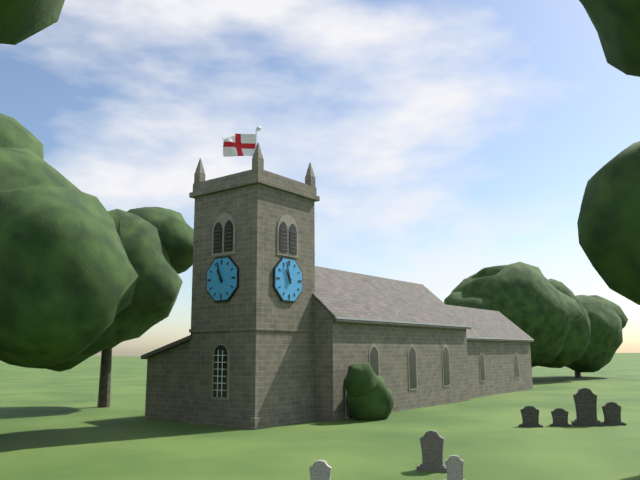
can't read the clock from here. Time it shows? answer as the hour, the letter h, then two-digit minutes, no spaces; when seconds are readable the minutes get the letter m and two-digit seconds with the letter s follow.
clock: 10h57
